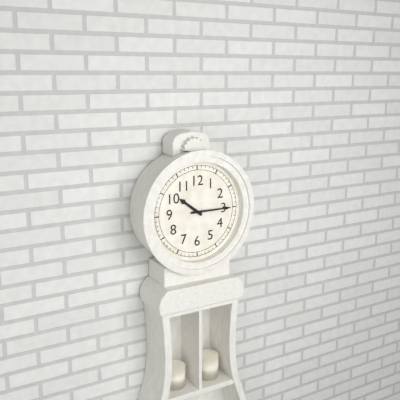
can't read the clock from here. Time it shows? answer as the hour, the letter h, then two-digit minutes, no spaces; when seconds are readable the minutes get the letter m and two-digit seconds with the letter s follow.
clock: 10h15
